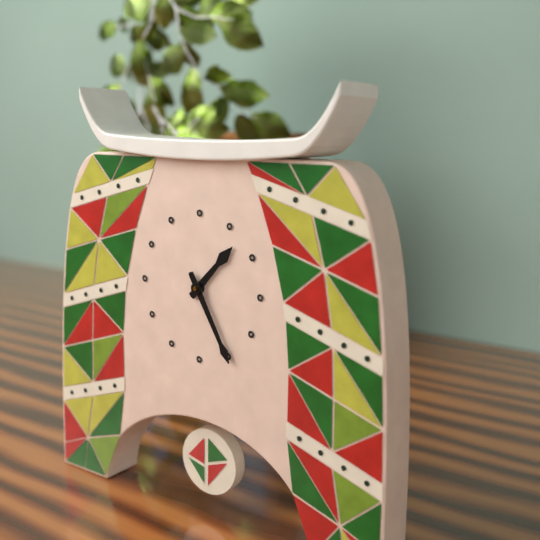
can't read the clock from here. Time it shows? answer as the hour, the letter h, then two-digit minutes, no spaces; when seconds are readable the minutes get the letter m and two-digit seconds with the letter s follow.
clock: 1h25
